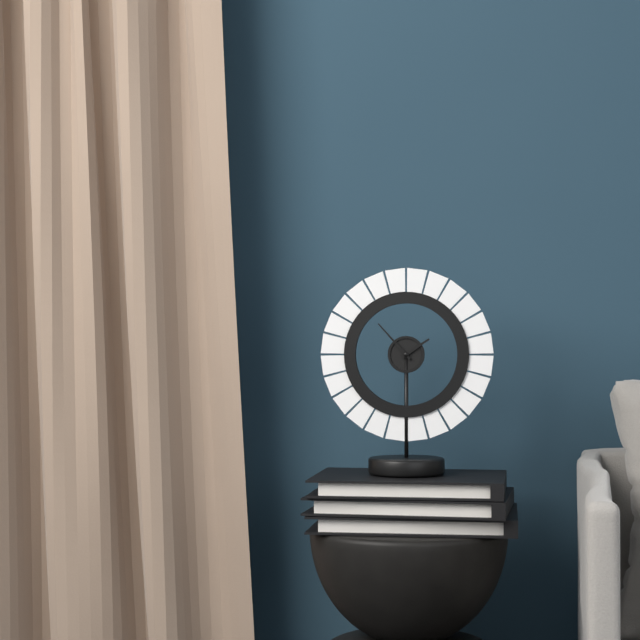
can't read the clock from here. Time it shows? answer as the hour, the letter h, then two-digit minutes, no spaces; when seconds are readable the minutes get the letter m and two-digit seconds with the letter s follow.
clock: 1h53
